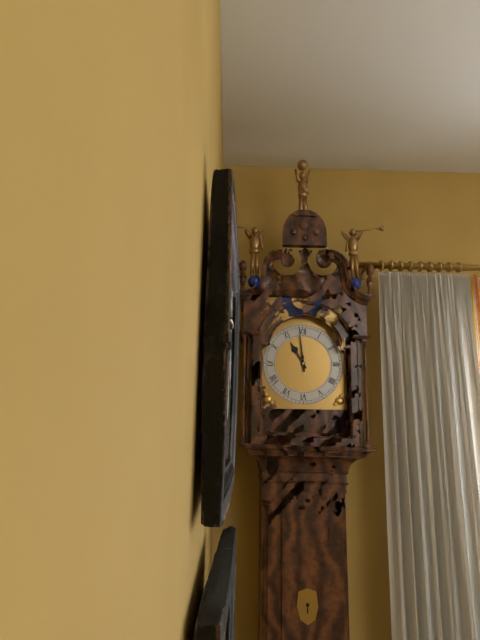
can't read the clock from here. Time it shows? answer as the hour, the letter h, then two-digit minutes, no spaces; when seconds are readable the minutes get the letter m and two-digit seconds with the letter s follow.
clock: 10h59
